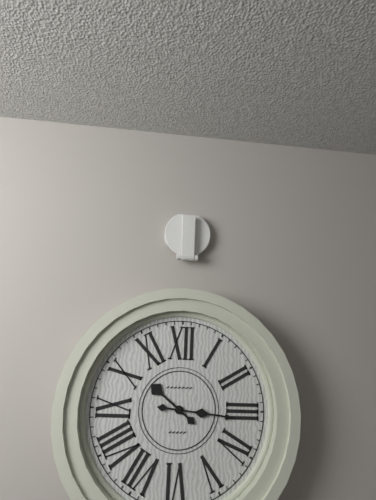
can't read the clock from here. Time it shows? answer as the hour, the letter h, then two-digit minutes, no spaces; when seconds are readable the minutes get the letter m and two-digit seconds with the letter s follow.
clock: 10h16
